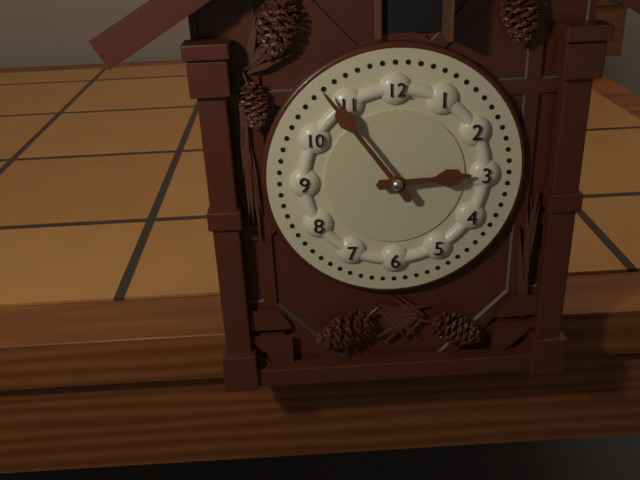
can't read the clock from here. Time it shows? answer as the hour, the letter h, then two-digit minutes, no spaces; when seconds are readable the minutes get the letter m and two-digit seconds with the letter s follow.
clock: 2h54
